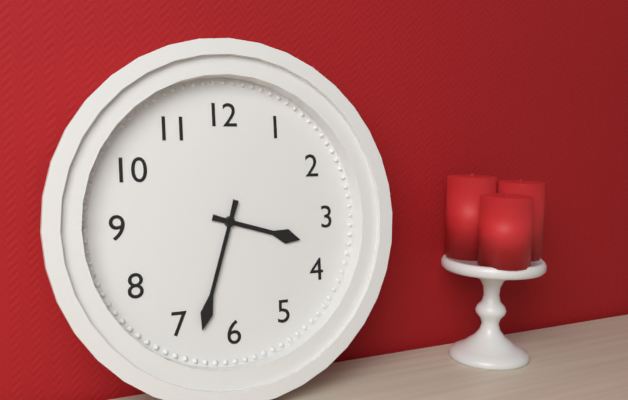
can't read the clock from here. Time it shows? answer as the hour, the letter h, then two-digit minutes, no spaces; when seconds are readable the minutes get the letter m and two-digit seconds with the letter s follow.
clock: 3h33
